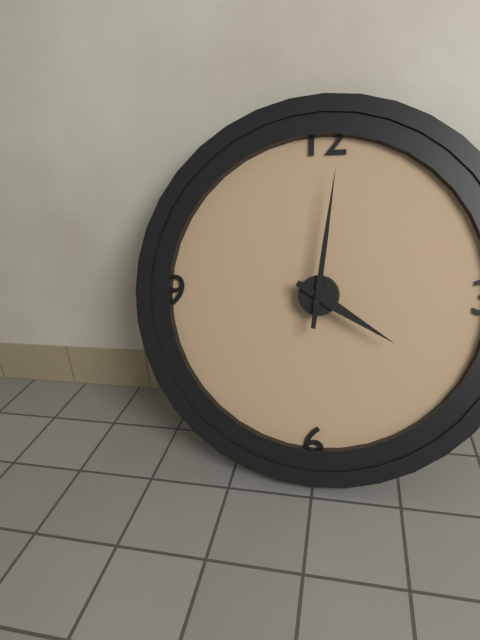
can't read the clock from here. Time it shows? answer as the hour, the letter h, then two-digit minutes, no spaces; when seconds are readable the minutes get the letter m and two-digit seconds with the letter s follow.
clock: 4h01
